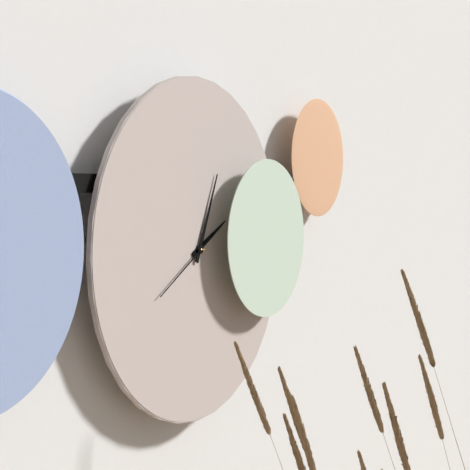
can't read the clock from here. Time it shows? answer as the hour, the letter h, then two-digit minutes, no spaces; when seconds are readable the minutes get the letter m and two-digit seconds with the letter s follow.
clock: 2h04m40s
